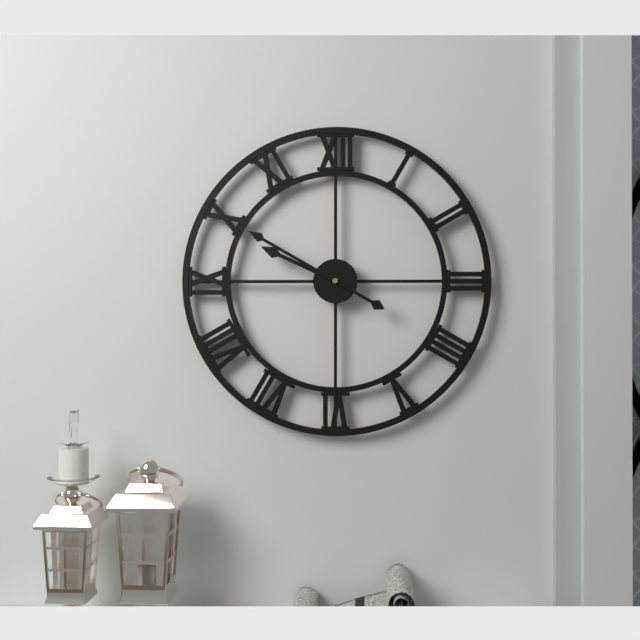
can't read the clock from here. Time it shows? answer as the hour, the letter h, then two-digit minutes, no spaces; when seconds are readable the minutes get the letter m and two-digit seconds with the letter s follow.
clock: 9h50
